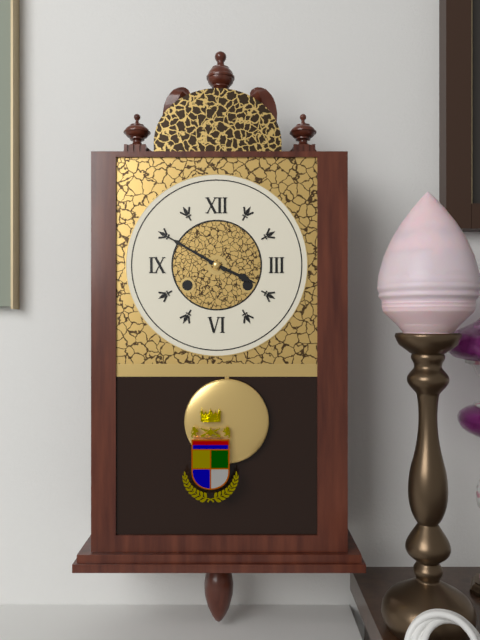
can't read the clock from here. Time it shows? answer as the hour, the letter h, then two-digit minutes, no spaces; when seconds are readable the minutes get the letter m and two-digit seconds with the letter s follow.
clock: 3h50
